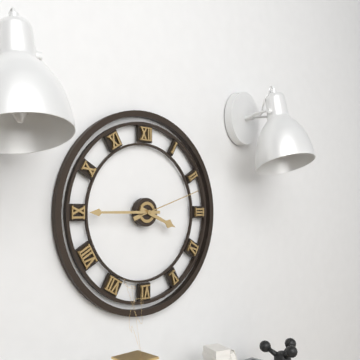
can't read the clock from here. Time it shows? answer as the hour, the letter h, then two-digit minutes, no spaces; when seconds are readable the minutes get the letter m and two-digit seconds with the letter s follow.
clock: 3h45m12s
